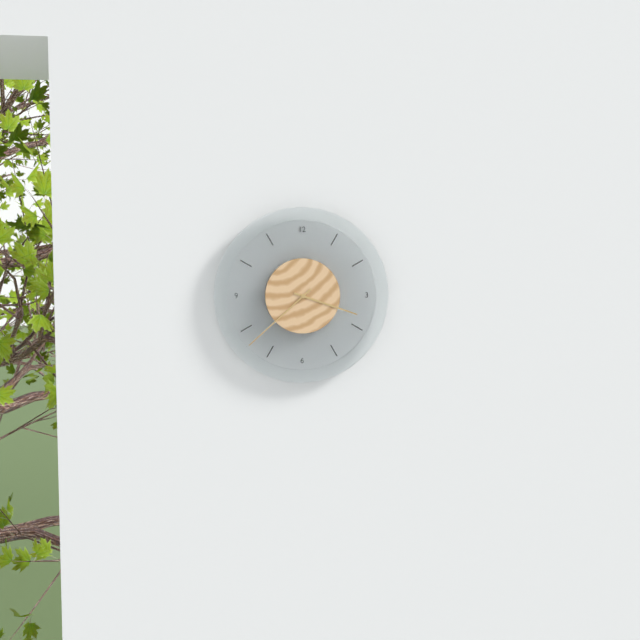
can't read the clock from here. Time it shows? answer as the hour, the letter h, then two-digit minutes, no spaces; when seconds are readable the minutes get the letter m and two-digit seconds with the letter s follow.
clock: 3h38
